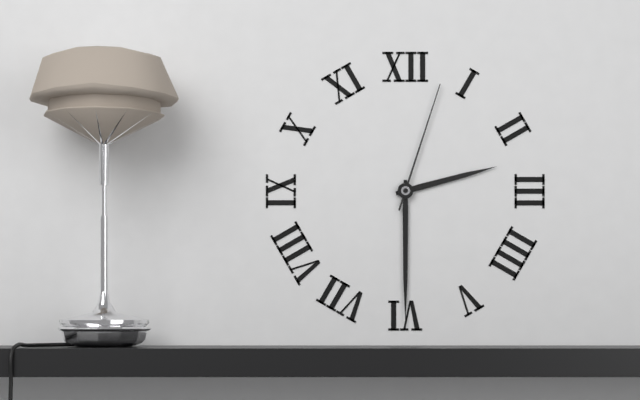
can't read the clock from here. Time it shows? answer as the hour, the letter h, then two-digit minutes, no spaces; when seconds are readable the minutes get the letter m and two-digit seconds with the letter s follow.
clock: 2h30m03s
